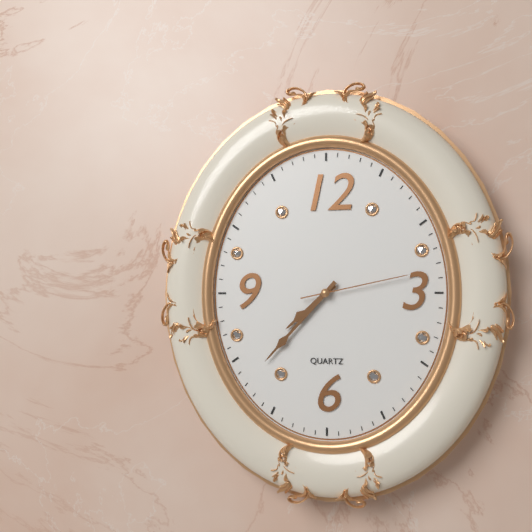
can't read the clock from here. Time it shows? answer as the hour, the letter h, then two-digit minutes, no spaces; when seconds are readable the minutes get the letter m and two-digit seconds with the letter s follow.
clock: 7h37m13s
